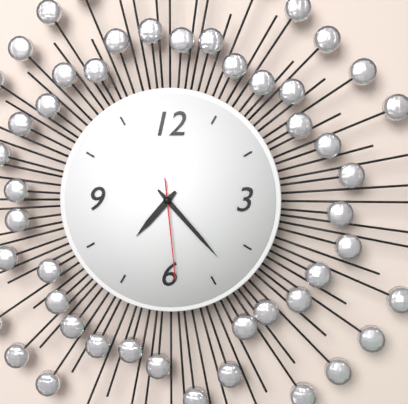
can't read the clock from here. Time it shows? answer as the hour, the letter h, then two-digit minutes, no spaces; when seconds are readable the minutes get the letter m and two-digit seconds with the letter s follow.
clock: 7h23m29s
